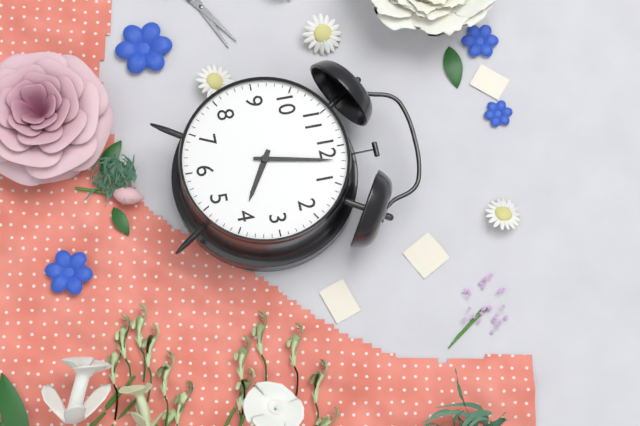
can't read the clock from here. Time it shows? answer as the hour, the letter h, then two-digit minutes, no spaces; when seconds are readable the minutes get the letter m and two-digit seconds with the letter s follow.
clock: 4h02
